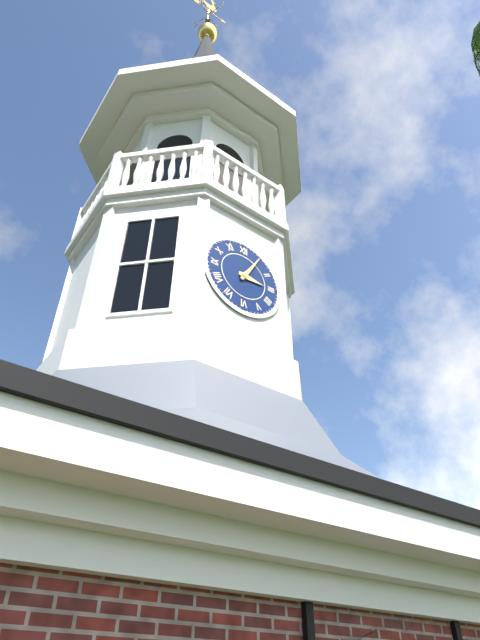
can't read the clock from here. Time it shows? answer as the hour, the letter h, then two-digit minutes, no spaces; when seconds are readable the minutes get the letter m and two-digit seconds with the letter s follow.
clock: 3h05
